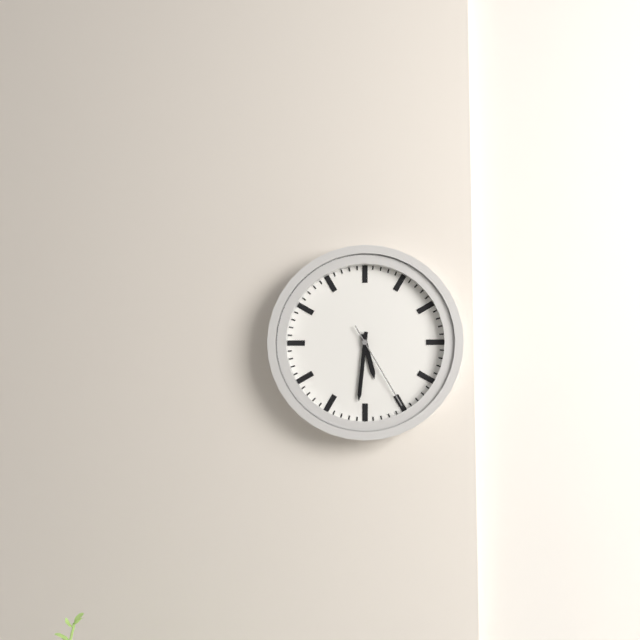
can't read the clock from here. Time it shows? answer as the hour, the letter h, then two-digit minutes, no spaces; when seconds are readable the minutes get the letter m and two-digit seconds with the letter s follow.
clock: 5h31m25s
